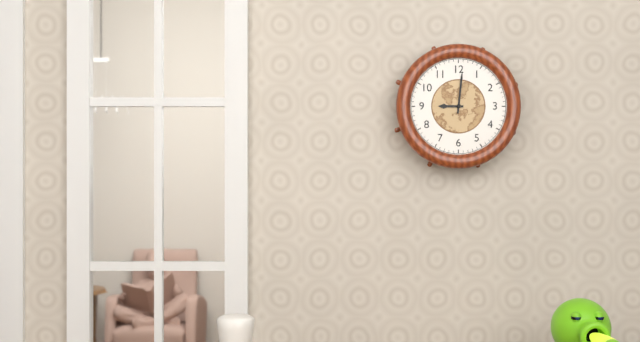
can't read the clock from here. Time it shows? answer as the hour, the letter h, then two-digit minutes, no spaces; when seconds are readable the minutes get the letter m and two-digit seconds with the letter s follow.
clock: 9h01
